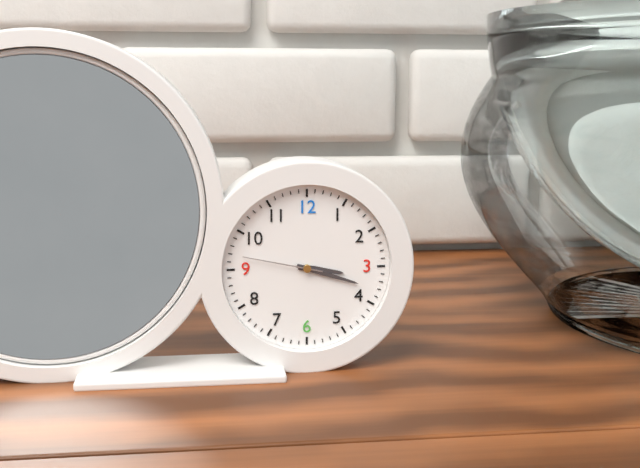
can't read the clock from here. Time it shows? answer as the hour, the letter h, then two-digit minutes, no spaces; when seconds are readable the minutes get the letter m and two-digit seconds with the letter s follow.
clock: 3h18m47s
